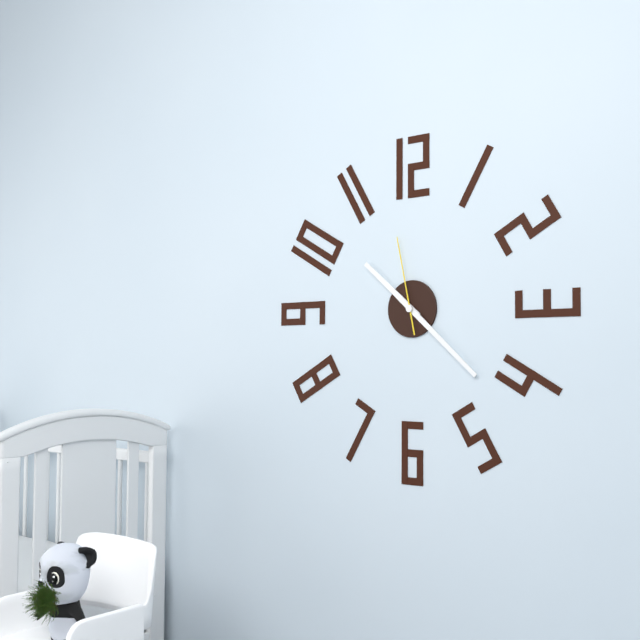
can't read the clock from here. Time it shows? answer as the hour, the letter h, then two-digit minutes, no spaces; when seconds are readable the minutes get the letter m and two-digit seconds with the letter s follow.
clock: 10h22m58s
